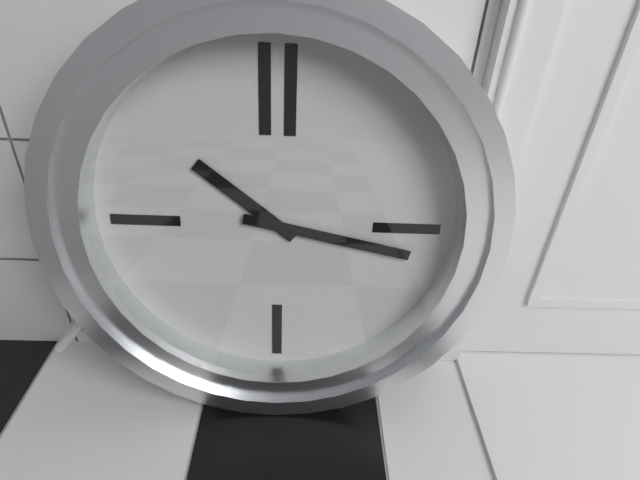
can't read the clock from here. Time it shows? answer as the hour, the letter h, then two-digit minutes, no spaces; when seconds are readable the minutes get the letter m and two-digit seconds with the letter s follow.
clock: 10h17
